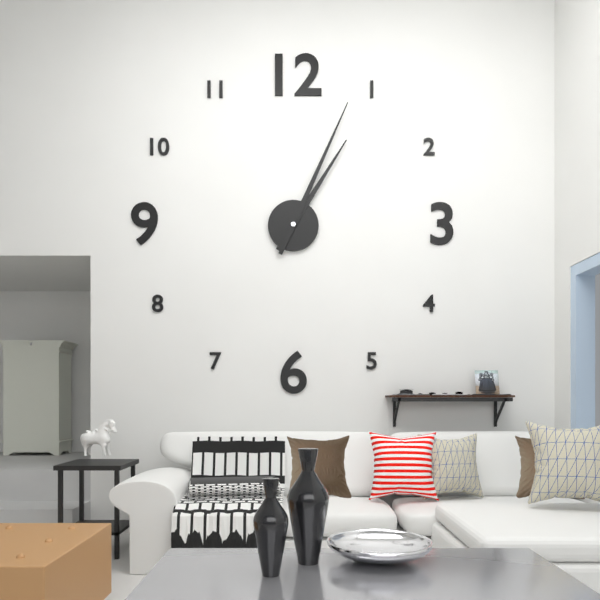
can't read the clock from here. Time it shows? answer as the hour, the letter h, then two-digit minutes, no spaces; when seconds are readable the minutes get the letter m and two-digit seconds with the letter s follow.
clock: 1h04
